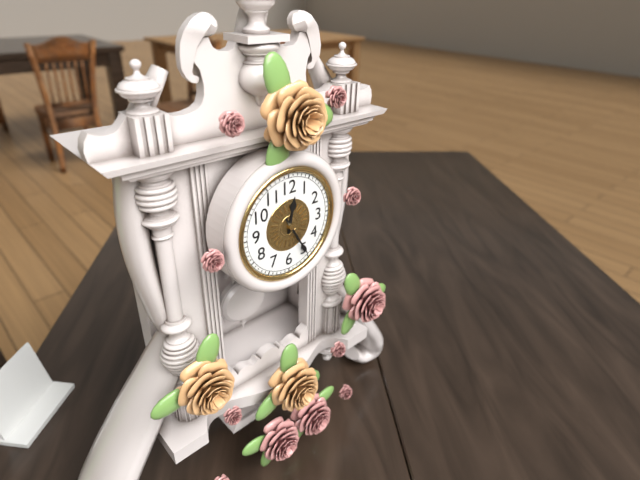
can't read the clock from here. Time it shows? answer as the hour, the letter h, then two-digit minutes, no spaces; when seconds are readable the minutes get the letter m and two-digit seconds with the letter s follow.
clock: 12h25
